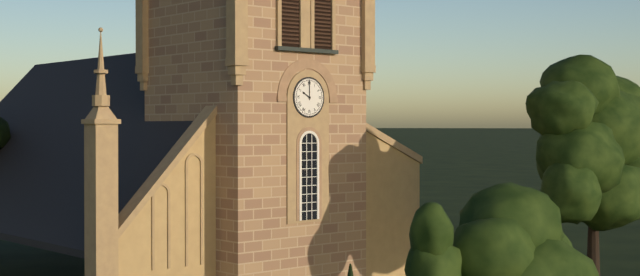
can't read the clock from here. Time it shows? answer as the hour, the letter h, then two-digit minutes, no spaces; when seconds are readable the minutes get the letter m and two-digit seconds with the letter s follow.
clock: 10h00
